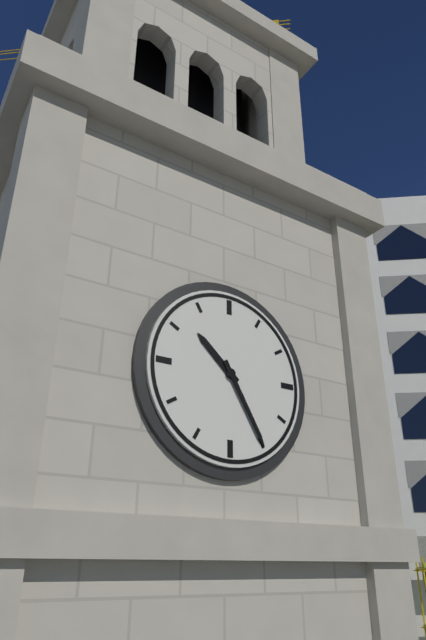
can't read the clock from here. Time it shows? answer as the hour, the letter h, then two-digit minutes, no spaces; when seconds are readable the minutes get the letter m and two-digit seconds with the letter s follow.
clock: 10h25
